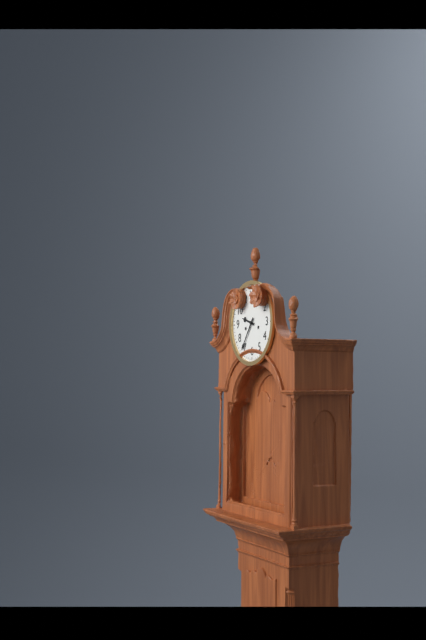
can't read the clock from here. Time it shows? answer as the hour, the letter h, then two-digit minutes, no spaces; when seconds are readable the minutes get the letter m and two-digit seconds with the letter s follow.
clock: 9h36
